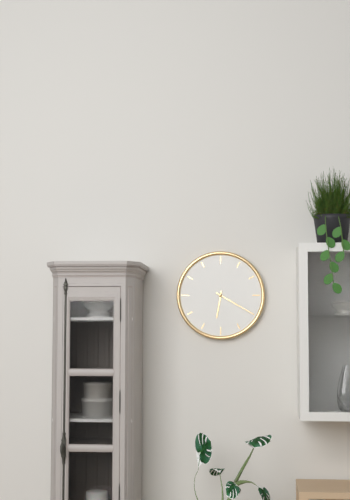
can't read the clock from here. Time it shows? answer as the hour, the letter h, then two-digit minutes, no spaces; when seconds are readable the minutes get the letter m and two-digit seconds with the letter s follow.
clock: 6h20
